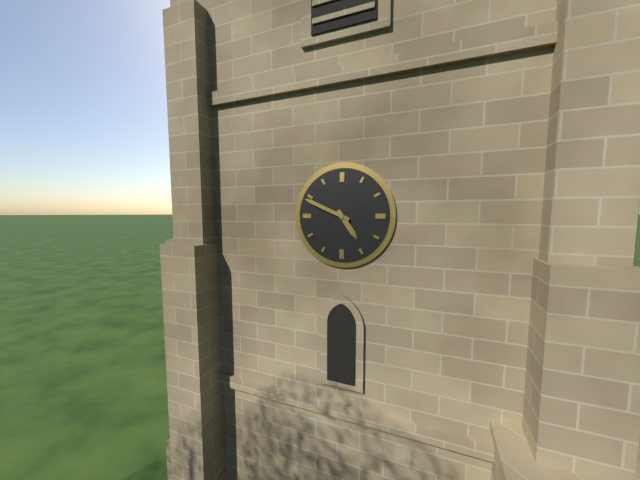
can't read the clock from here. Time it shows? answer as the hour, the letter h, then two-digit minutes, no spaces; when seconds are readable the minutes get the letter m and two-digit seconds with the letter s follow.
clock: 4h49
